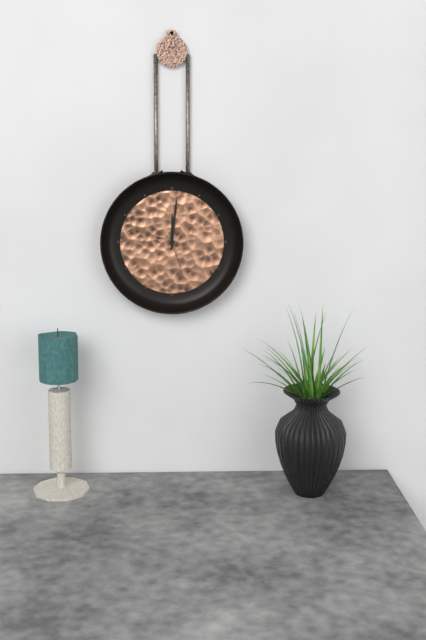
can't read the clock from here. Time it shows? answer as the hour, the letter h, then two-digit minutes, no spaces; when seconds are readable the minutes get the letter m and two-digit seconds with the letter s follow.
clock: 12h01
